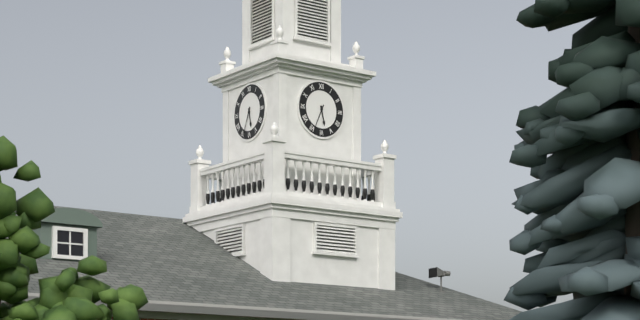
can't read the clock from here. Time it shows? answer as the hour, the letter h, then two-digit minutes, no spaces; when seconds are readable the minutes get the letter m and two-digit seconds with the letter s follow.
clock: 5h34
